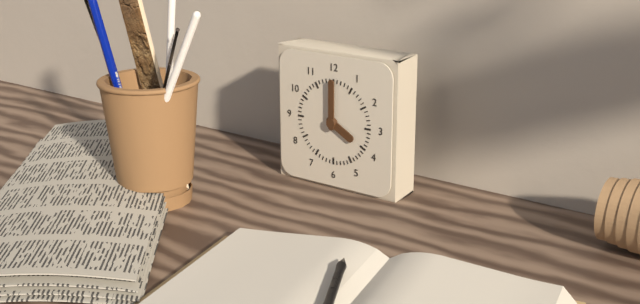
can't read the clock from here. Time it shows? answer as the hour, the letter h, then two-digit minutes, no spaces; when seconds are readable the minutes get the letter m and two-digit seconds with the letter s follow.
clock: 4h00
